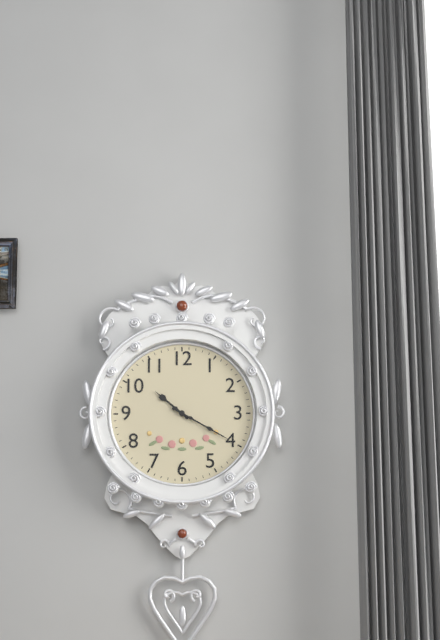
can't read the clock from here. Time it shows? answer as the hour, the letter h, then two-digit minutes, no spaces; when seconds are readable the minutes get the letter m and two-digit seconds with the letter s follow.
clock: 10h20
